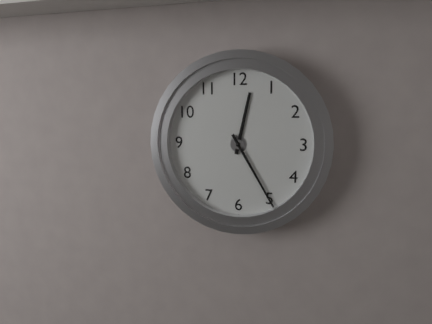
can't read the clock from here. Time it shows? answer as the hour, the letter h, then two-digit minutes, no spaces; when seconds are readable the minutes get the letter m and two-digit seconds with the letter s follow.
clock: 12h25
